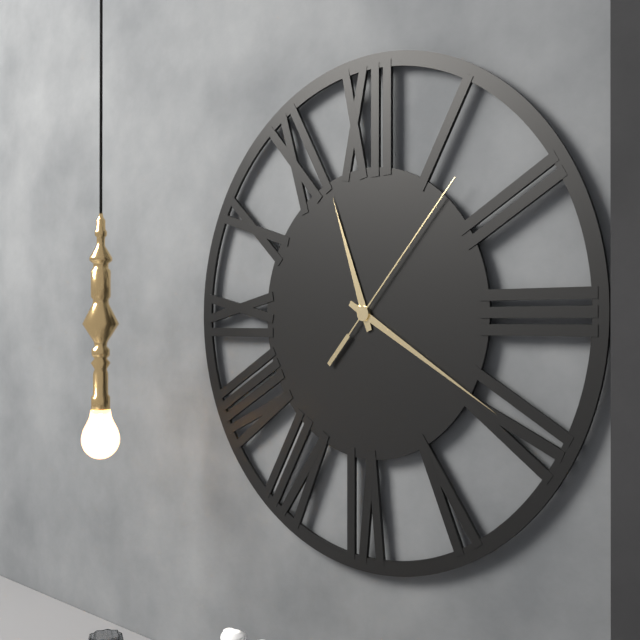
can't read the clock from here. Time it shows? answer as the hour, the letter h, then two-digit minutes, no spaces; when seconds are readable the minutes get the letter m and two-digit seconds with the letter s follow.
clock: 11h20m07s
